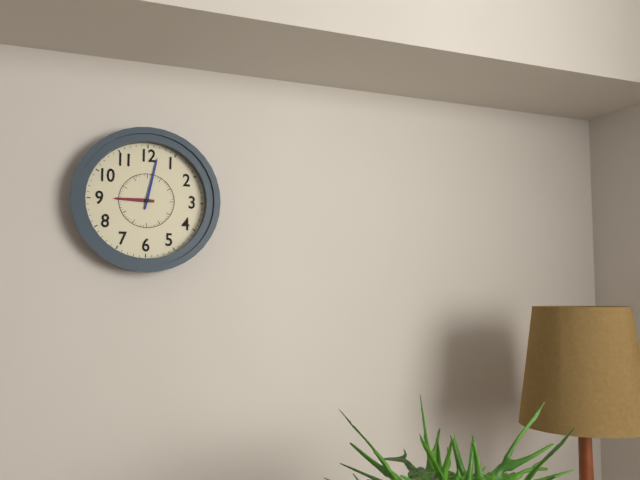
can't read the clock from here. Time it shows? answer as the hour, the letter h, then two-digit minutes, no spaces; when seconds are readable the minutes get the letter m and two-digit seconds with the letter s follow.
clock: 9h02
